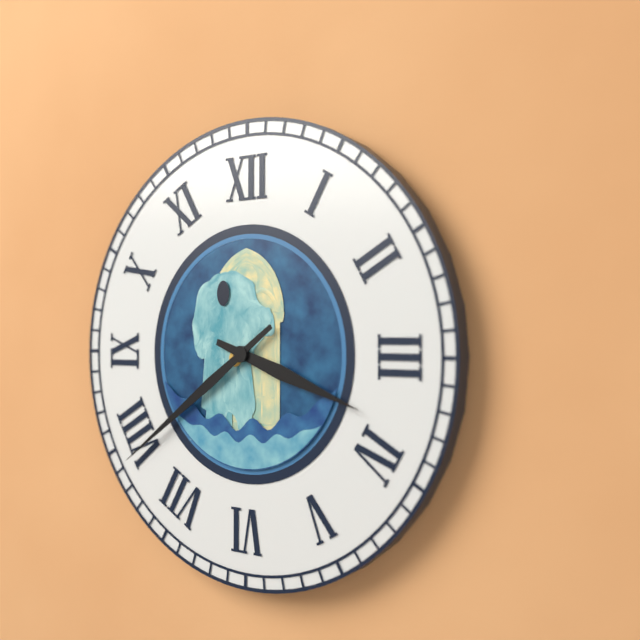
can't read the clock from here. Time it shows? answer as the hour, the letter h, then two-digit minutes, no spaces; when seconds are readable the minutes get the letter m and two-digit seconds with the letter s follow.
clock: 3h39
